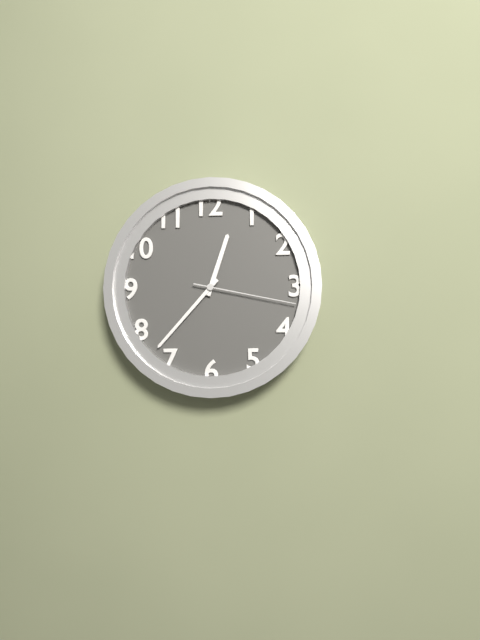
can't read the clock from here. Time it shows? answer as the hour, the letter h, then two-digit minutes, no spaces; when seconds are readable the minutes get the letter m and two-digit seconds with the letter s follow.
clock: 12h37m17s
